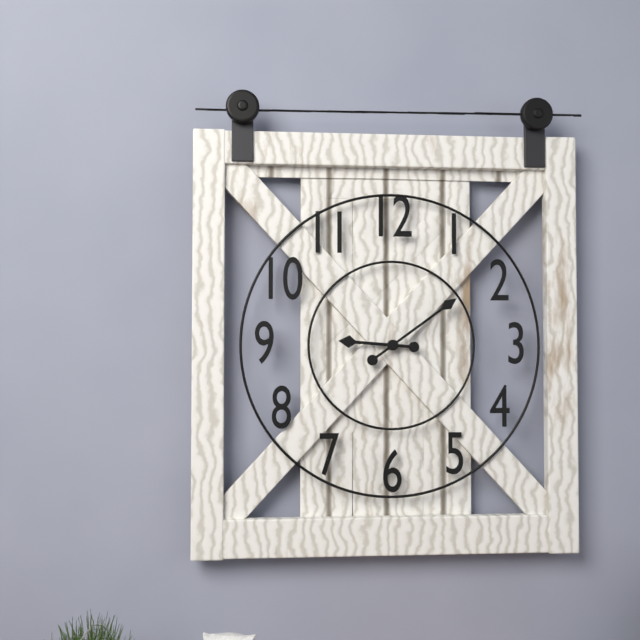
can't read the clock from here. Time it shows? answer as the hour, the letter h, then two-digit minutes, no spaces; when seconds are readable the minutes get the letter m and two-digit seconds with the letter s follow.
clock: 9h09
